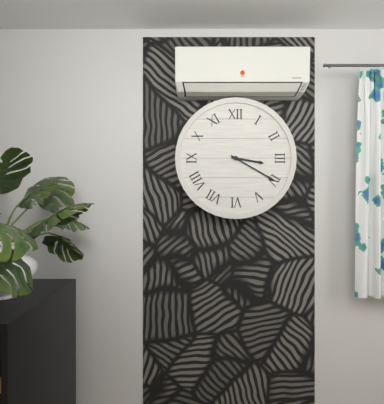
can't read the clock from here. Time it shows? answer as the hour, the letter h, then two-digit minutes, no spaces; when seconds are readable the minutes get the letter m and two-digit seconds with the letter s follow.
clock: 3h20
